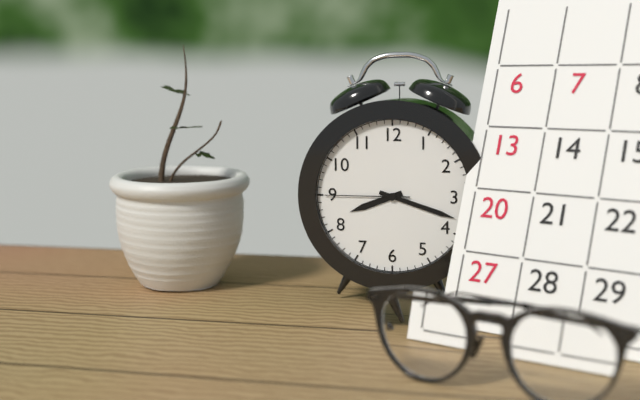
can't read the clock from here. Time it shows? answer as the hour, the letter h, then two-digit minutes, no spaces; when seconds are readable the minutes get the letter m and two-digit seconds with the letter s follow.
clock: 8h18m45s
